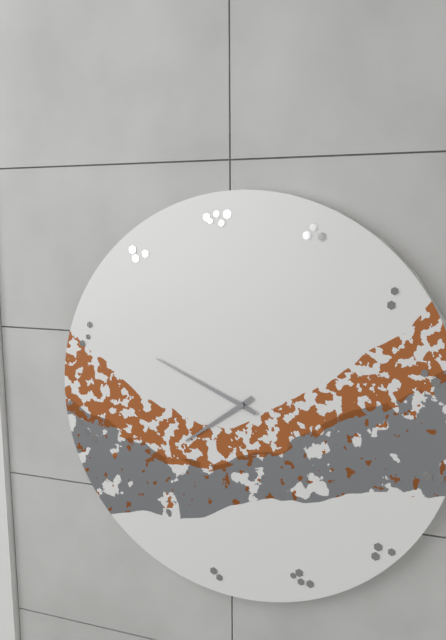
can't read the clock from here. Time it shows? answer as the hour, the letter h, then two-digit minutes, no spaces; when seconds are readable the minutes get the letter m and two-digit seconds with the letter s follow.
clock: 7h49
